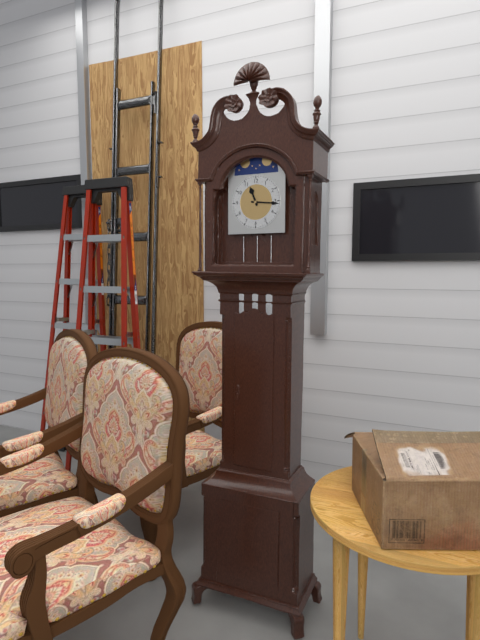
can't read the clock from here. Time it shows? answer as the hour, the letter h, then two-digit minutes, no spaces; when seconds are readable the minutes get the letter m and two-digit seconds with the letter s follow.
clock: 11h16
